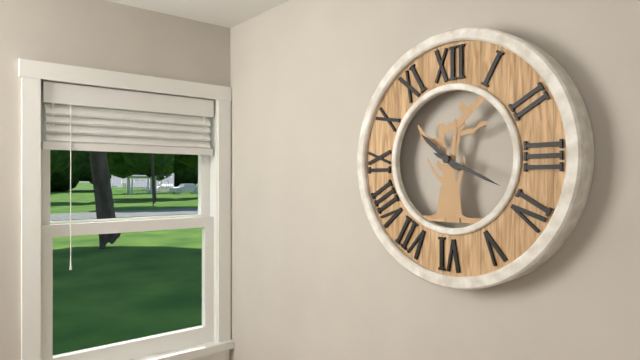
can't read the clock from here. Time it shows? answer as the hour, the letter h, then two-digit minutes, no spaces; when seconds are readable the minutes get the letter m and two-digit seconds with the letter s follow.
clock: 10h19
